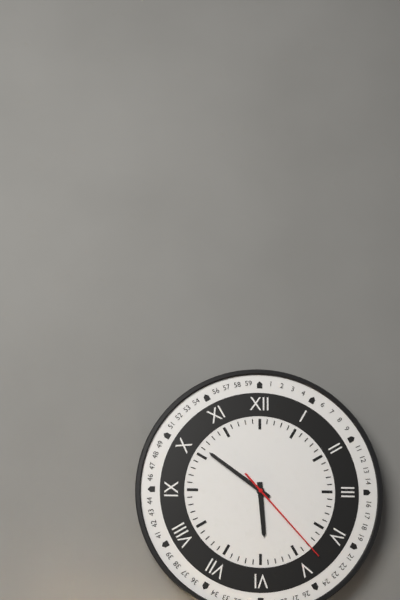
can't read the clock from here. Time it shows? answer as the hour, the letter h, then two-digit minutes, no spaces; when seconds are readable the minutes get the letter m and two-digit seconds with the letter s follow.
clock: 5h51m23s
